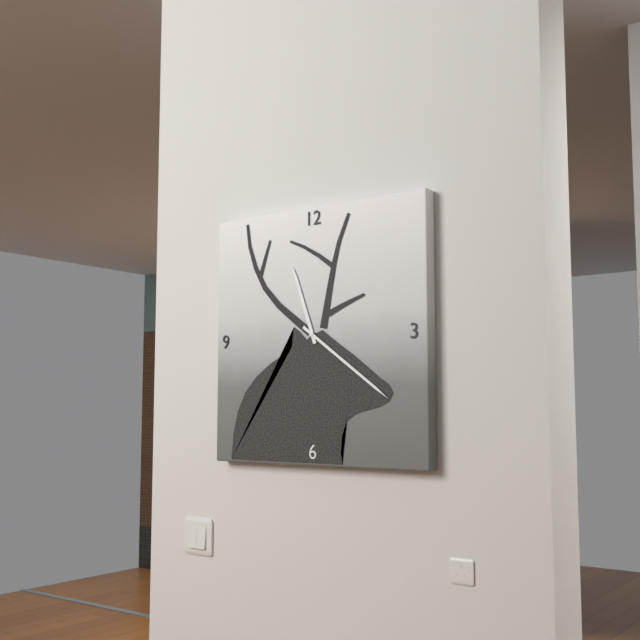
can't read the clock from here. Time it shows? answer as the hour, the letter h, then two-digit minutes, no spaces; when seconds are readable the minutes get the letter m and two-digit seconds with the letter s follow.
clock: 11h21
